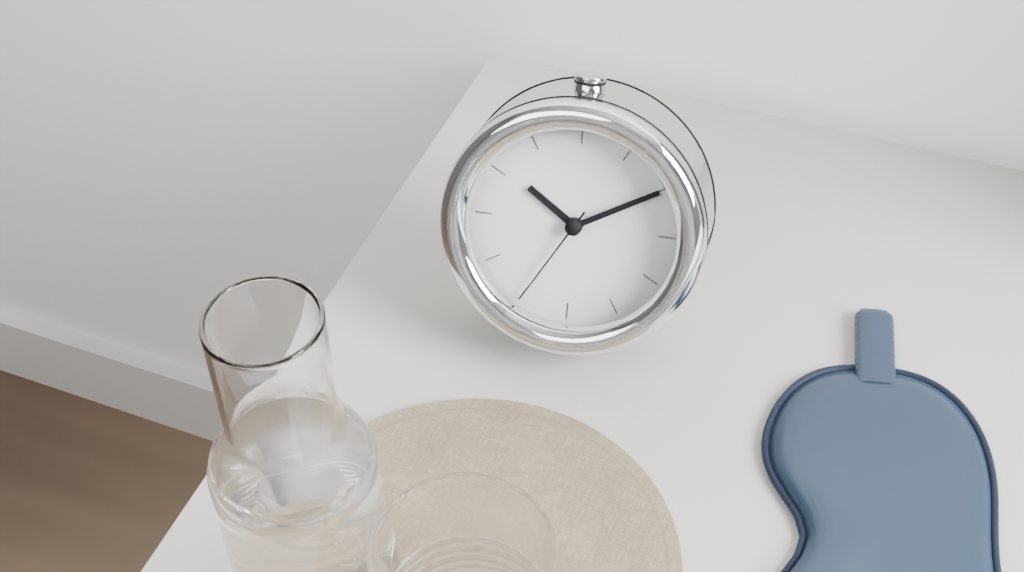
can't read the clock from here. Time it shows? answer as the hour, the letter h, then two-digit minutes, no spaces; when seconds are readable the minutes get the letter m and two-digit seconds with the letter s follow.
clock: 10h10m35s
